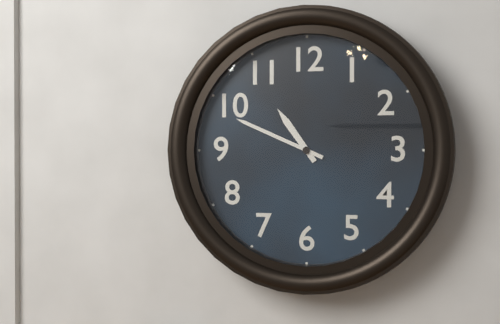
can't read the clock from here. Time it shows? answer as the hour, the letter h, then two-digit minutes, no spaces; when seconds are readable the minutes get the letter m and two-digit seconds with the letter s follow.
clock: 10h49
